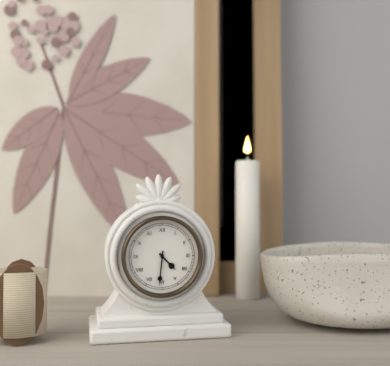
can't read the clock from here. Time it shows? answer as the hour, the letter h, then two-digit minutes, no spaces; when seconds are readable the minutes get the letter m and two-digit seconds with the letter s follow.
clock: 4h31
